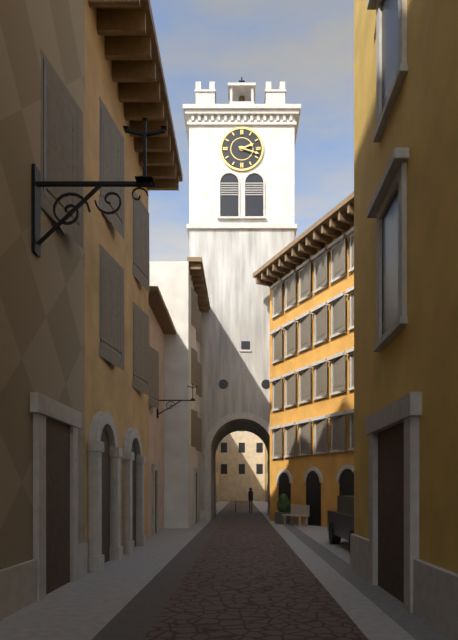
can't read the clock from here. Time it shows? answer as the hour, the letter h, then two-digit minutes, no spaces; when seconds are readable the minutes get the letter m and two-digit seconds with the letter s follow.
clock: 2h18
